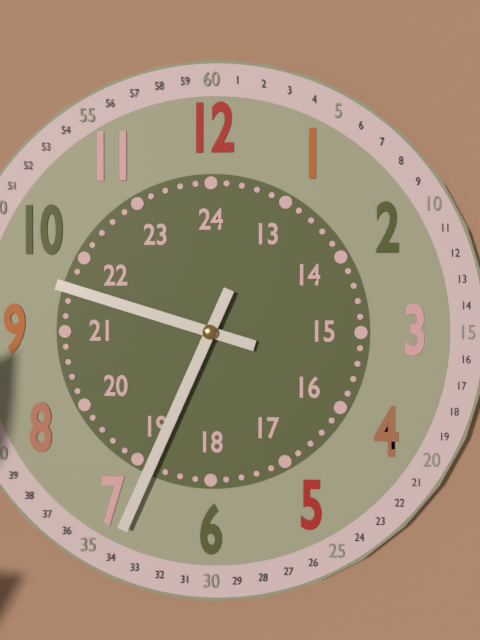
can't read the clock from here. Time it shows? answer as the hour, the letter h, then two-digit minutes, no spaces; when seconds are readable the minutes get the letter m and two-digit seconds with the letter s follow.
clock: 9h34
